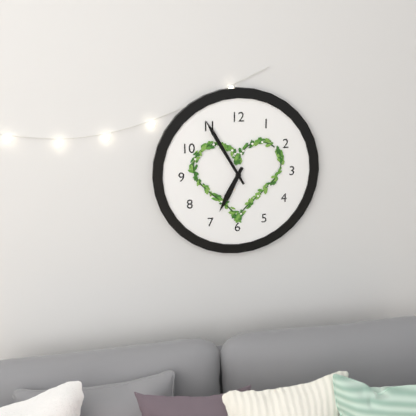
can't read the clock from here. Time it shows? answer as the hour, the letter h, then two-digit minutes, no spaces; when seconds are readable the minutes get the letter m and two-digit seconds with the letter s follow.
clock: 6h55
